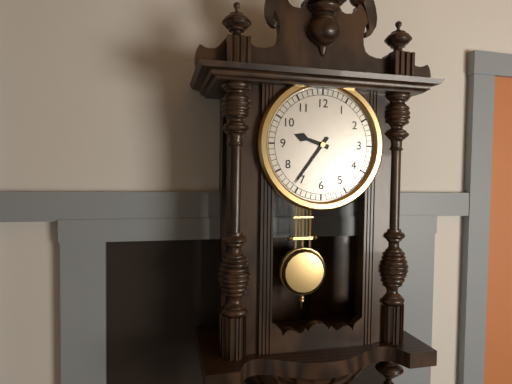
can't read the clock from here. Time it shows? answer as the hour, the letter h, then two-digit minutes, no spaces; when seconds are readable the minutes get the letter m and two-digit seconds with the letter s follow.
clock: 9h36
